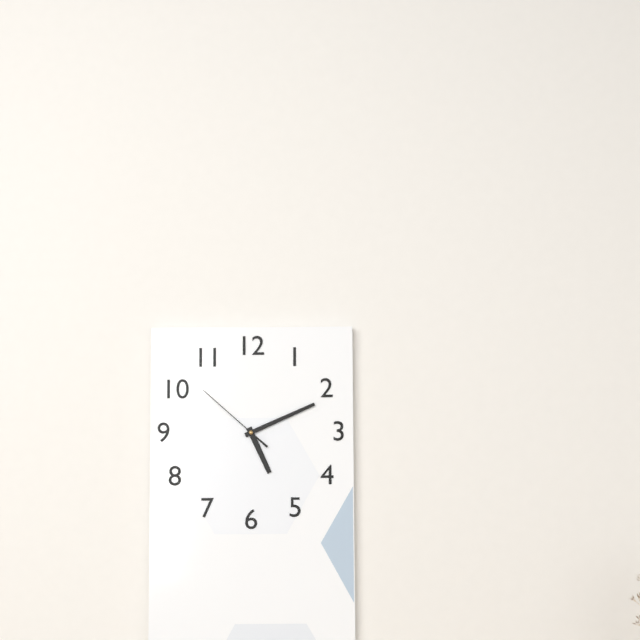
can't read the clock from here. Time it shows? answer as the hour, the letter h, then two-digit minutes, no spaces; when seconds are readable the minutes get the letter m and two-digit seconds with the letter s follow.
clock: 5h11m52s
